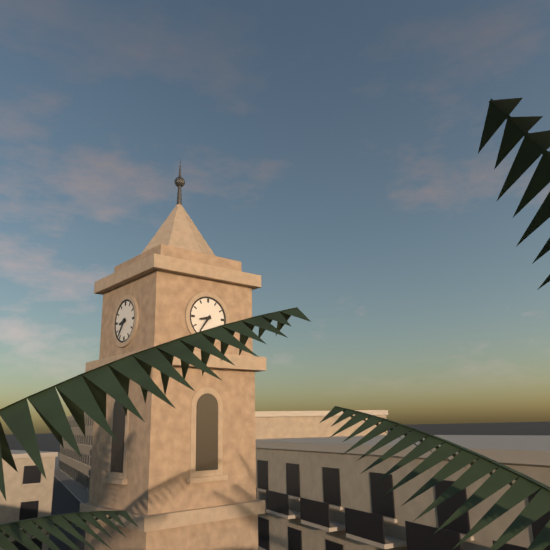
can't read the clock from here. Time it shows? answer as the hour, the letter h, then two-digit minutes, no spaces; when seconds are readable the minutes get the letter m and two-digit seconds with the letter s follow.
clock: 8h36
